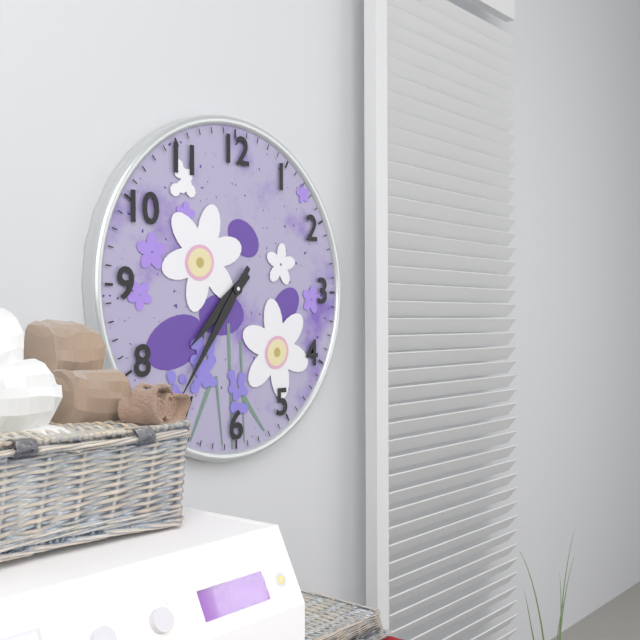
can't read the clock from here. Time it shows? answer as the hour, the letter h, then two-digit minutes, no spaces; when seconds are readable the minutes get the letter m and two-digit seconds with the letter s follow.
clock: 7h36
